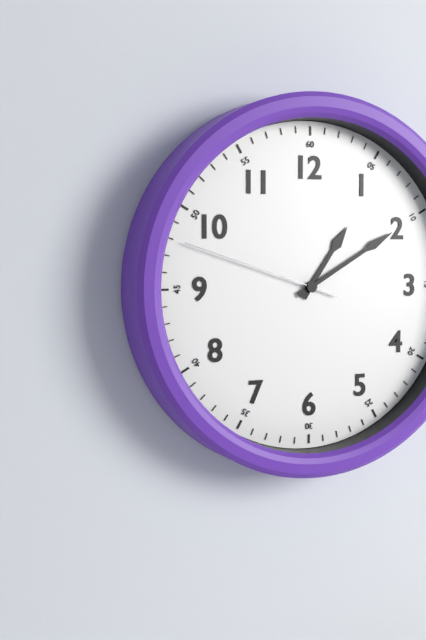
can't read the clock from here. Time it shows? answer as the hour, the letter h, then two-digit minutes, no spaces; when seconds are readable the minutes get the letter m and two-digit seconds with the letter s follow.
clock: 1h10m48s
